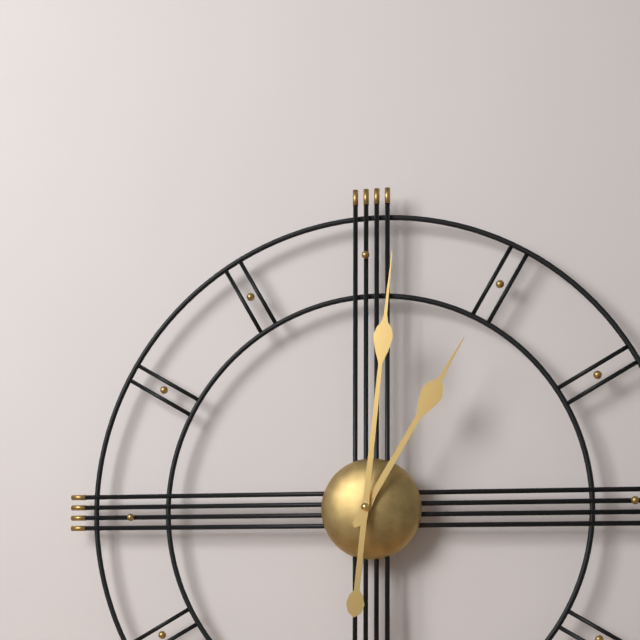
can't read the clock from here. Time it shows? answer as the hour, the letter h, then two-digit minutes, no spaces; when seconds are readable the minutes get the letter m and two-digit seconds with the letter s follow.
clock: 1h01
